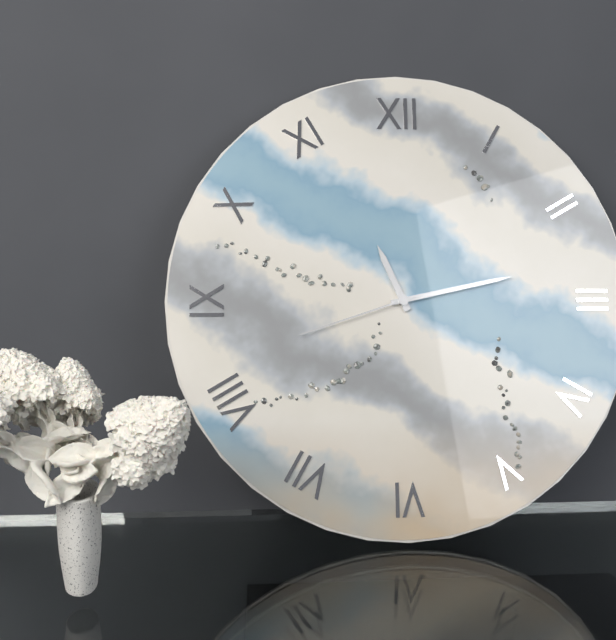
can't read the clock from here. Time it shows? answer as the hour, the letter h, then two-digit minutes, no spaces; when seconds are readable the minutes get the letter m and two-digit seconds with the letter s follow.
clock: 11h13m42s
